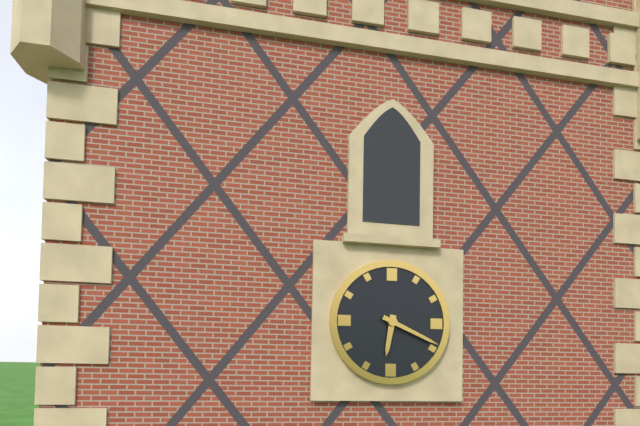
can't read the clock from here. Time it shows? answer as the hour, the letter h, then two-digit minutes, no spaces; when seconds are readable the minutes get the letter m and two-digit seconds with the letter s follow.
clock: 6h19
